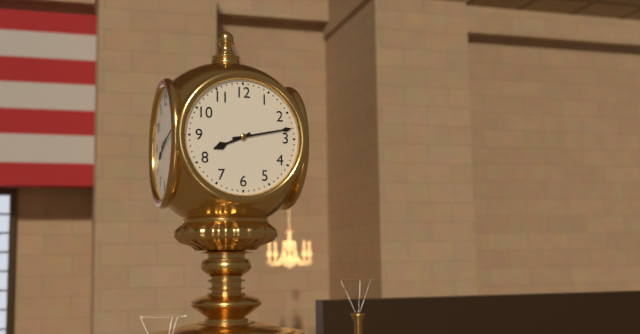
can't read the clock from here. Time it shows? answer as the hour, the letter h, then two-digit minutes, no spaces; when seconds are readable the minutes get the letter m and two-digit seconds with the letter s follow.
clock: 8h13
